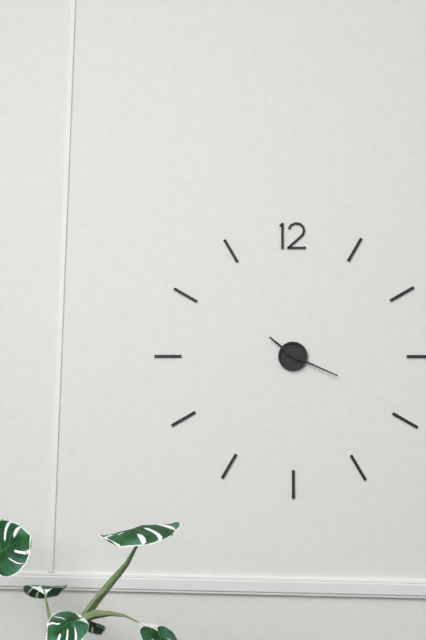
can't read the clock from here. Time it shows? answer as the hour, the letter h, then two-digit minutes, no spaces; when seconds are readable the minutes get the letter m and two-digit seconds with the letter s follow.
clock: 10h19
